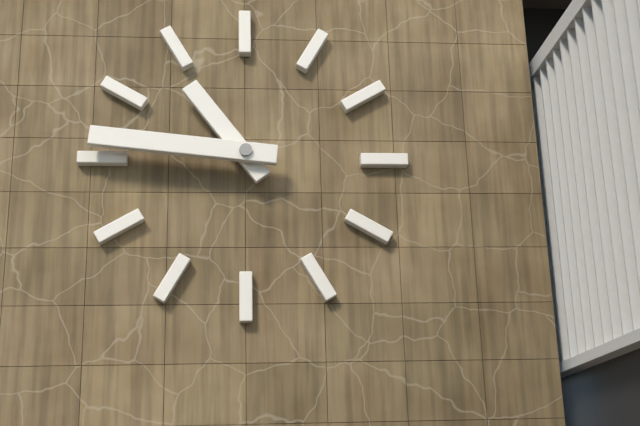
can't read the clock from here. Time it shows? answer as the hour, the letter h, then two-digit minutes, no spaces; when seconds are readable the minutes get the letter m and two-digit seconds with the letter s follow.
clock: 10h46
